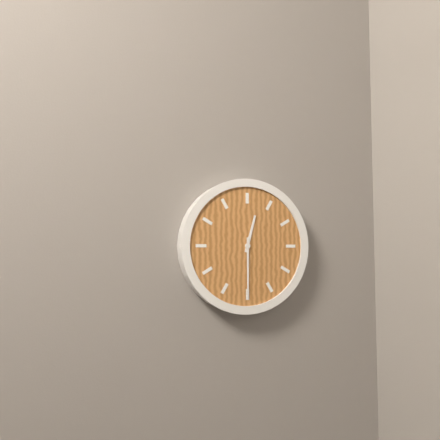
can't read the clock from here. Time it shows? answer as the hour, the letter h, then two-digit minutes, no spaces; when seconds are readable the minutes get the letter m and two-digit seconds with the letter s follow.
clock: 12h30
